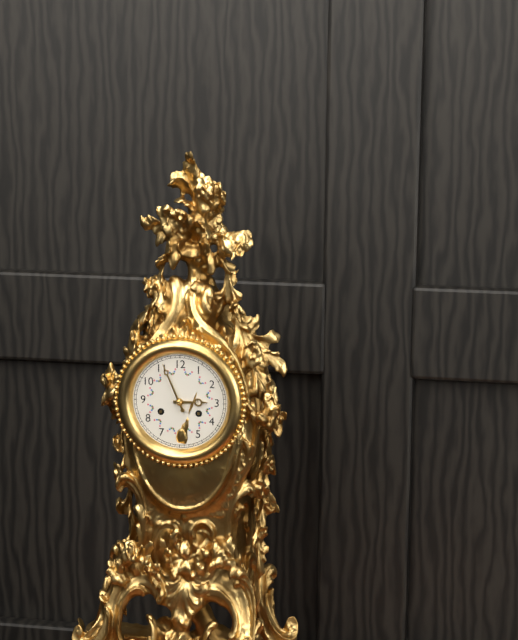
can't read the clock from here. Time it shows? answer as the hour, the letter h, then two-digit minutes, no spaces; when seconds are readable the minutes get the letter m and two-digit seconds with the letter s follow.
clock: 2h56
